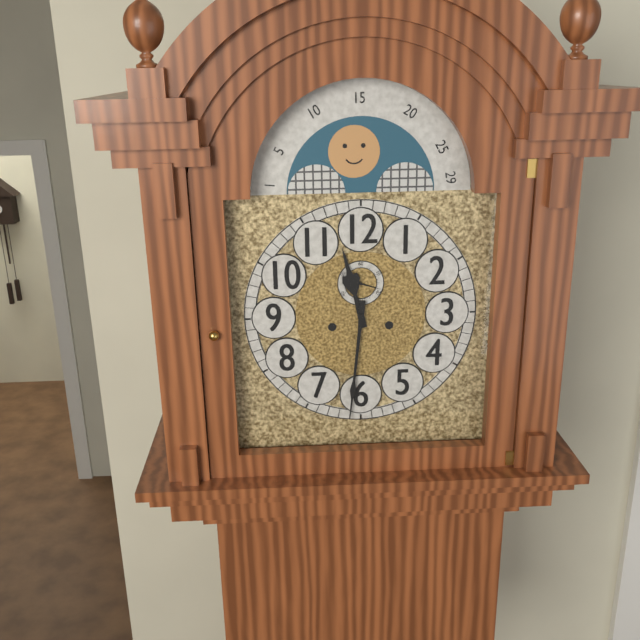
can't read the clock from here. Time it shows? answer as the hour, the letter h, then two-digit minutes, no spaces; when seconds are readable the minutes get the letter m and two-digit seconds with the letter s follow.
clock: 11h31
